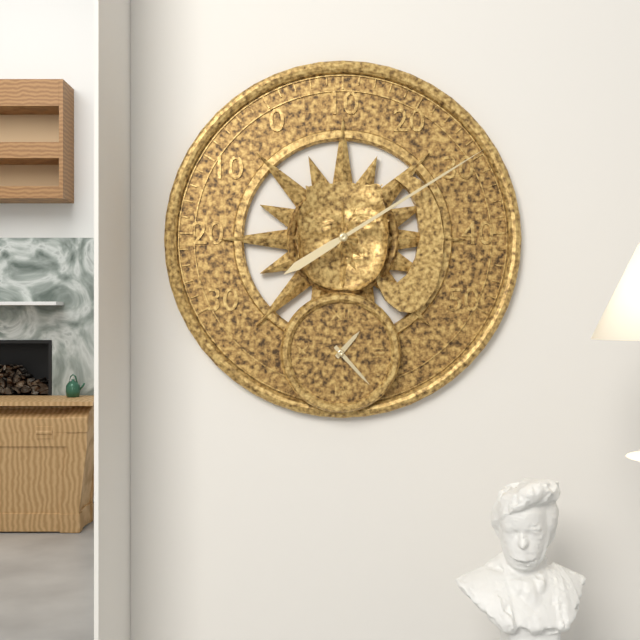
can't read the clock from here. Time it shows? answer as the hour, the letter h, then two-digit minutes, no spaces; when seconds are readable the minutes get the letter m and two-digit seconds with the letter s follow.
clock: 1h23
